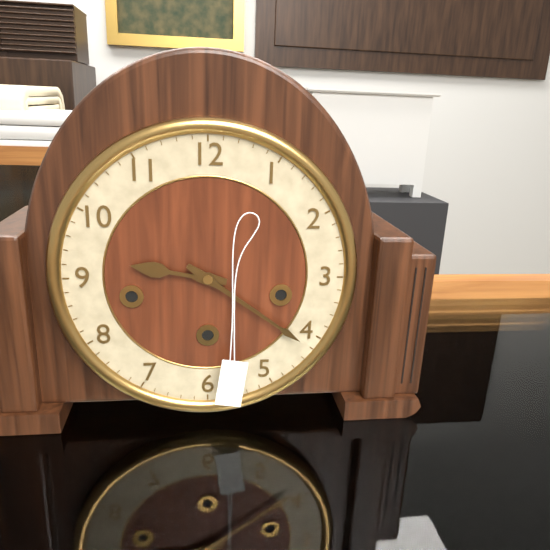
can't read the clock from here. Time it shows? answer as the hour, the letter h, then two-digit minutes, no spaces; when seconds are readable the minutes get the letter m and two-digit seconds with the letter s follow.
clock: 9h21
